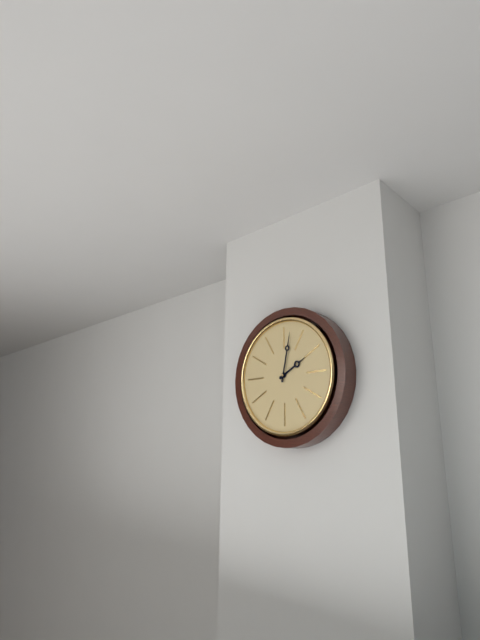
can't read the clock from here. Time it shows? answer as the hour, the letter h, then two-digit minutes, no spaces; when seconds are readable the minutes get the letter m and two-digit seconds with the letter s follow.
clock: 2h02
